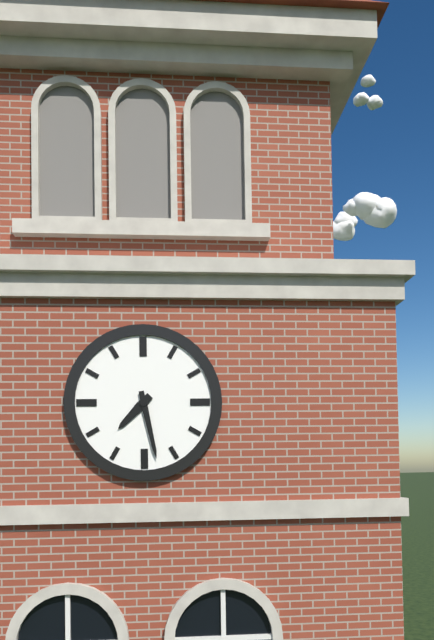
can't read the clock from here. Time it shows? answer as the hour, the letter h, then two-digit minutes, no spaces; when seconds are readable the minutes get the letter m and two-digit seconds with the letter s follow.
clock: 7h28
